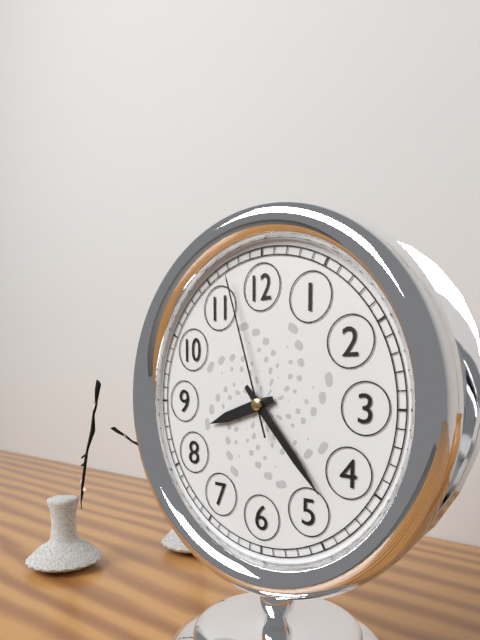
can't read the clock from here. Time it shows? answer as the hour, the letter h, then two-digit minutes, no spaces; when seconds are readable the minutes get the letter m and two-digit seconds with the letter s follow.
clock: 8h23m57s
